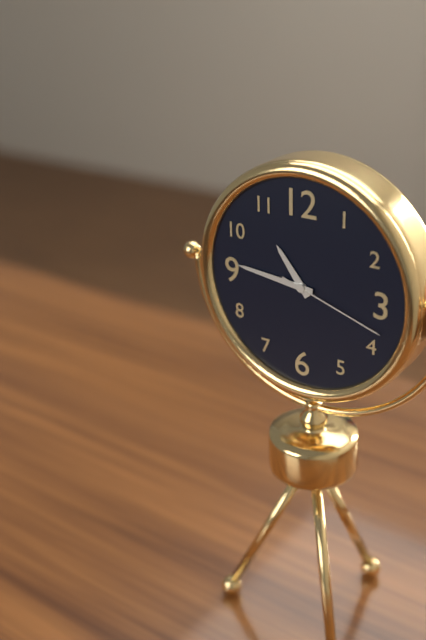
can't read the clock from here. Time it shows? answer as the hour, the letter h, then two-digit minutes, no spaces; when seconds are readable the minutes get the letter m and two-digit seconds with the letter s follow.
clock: 10h46m18s
